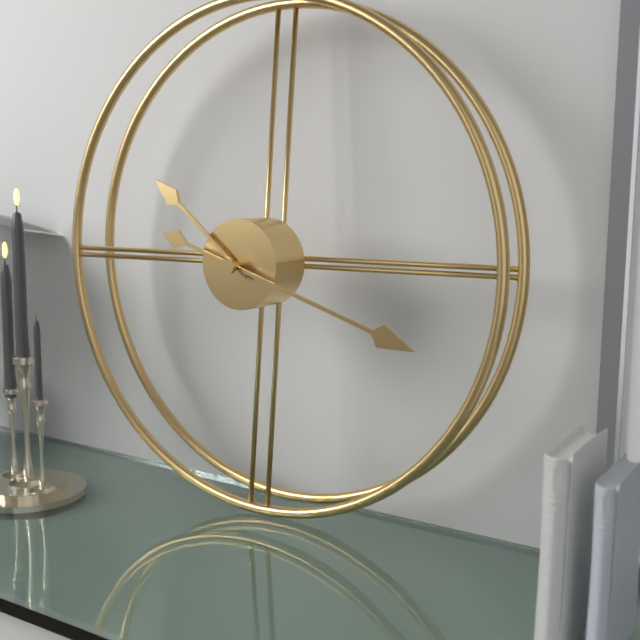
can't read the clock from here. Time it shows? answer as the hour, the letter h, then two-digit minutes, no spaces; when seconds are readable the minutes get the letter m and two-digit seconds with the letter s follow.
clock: 10h18
